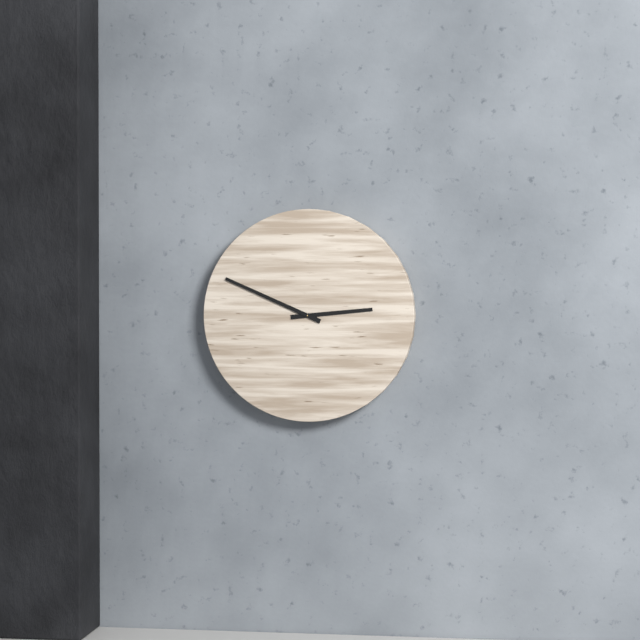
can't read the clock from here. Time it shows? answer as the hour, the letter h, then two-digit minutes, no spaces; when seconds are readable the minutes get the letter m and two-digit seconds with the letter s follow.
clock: 2h49
